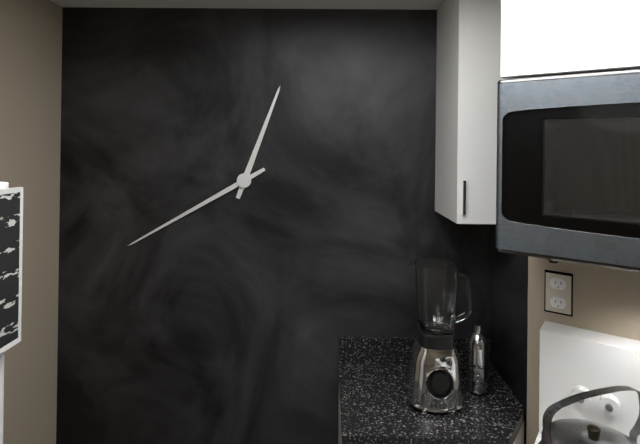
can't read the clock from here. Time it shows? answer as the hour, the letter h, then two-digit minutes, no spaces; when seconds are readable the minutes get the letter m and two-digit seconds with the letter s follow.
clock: 12h40
